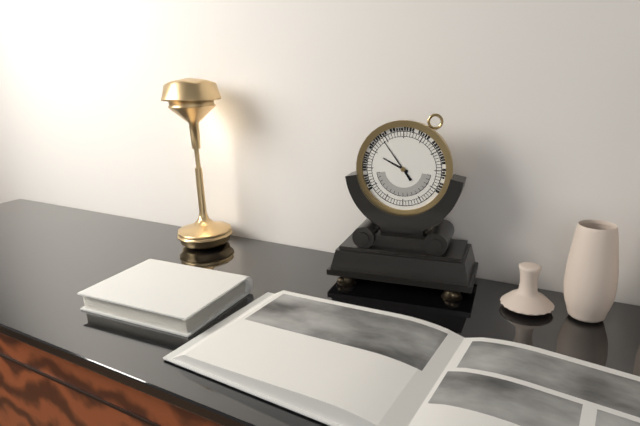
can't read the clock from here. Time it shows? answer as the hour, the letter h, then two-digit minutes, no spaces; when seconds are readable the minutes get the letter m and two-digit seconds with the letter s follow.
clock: 9h54
